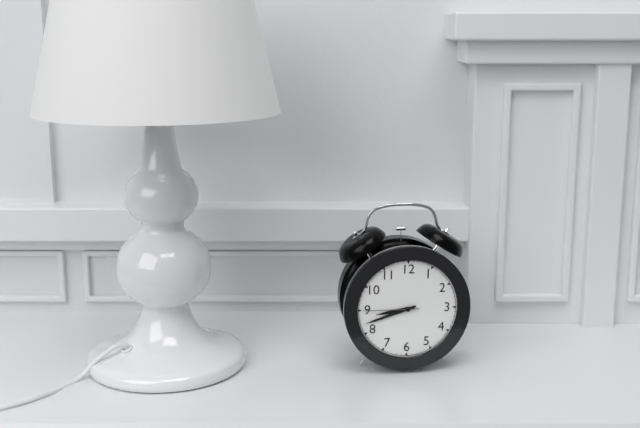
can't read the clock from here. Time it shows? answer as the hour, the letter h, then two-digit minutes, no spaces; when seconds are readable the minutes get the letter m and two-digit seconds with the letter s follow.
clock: 8h42m45s
